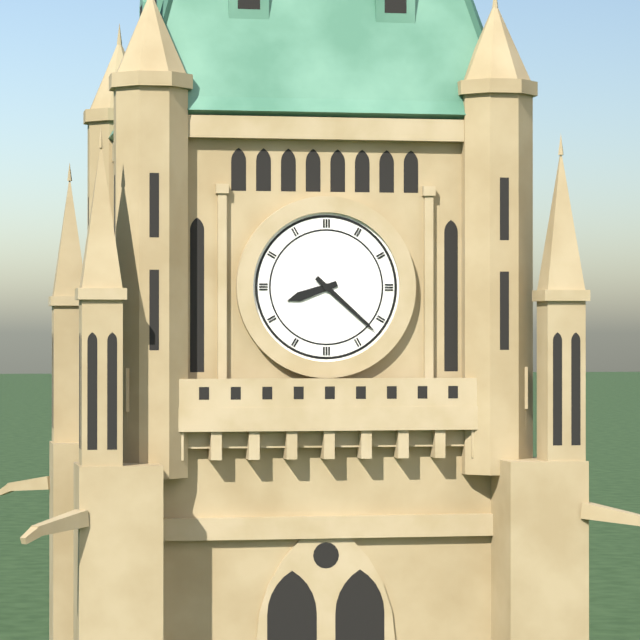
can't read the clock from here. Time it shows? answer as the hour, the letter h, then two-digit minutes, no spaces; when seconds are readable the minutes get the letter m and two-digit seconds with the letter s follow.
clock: 8h22
